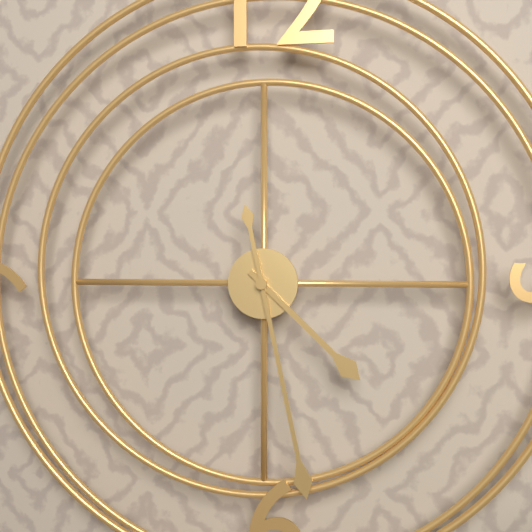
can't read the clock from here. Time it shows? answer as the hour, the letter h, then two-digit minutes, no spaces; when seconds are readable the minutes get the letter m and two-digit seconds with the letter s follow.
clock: 4h28
